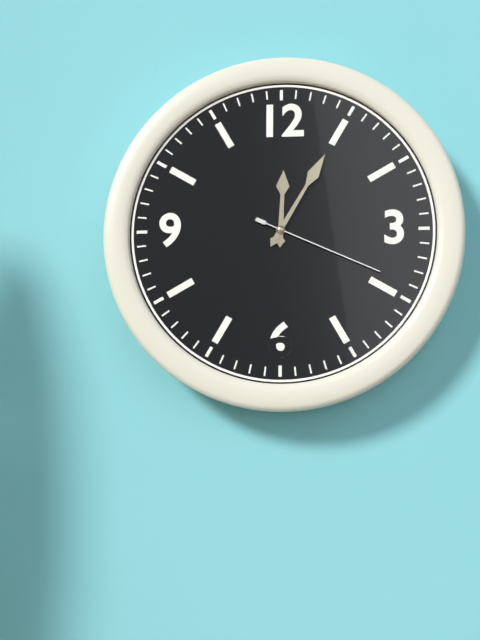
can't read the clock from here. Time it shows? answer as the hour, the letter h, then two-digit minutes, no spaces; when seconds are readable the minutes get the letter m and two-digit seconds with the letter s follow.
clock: 12h05m19s
